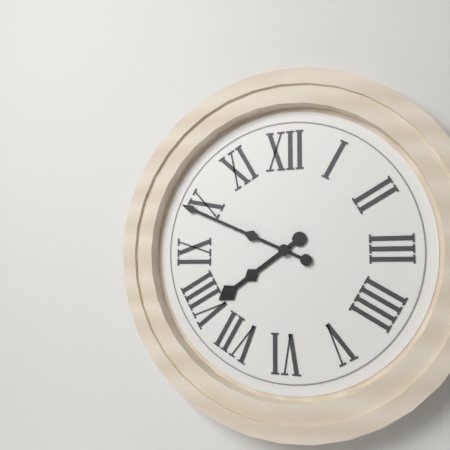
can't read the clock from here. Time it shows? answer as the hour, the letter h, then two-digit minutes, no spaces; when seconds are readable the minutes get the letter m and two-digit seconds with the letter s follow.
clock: 7h49
